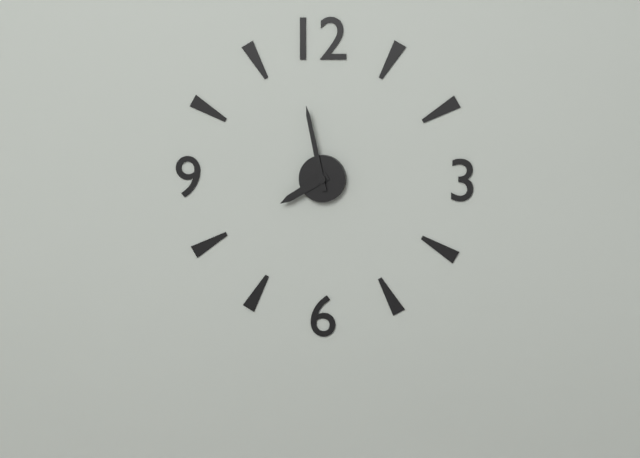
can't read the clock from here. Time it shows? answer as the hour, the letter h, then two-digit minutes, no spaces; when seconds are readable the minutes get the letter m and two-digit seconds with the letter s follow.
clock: 7h58
